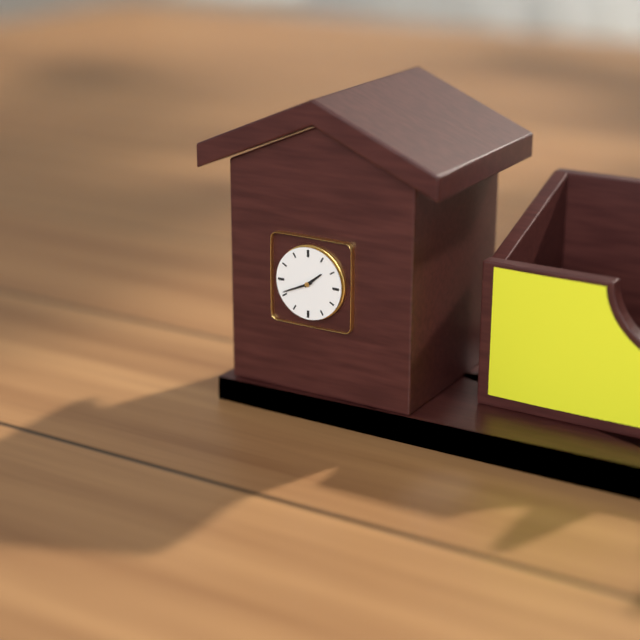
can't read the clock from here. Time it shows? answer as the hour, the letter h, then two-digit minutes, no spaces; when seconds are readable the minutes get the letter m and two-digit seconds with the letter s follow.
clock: 1h41
